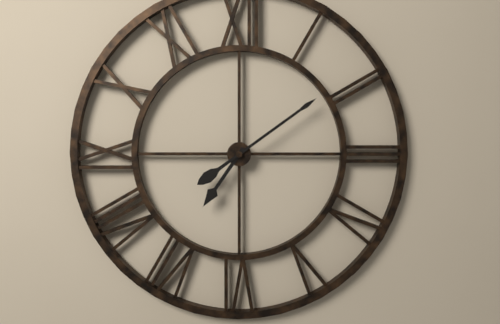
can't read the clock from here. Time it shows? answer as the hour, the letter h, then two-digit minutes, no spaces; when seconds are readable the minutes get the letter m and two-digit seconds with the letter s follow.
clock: 7h09
